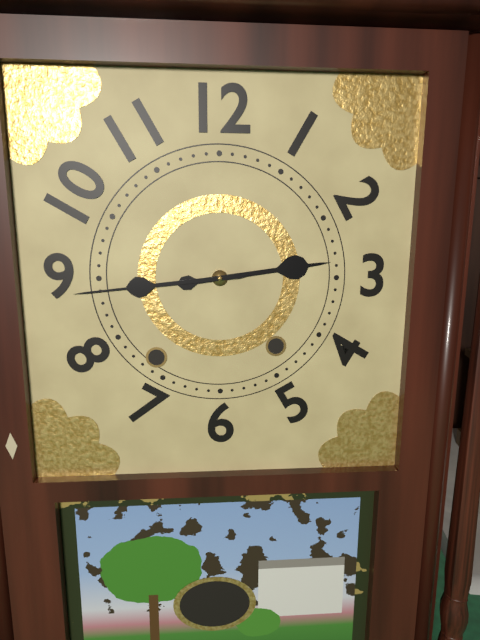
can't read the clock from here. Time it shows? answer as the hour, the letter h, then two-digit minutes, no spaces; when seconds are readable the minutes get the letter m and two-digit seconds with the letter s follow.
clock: 2h44
